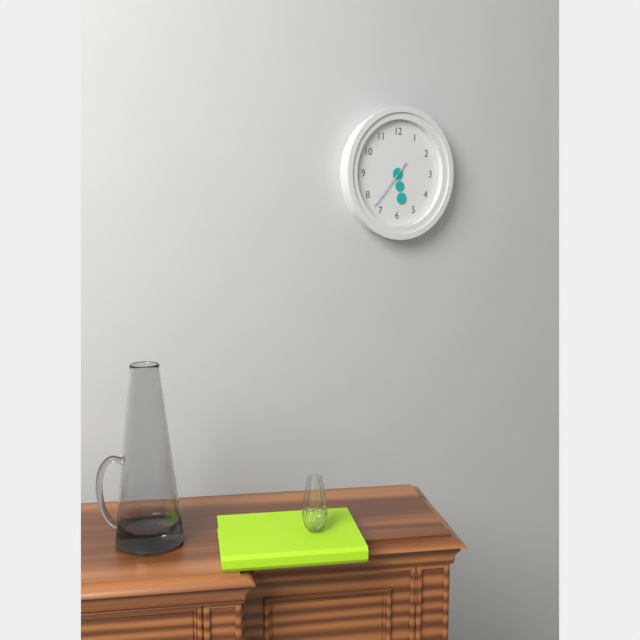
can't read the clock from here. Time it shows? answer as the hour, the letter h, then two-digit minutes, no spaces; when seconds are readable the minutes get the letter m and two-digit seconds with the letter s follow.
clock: 5h37
